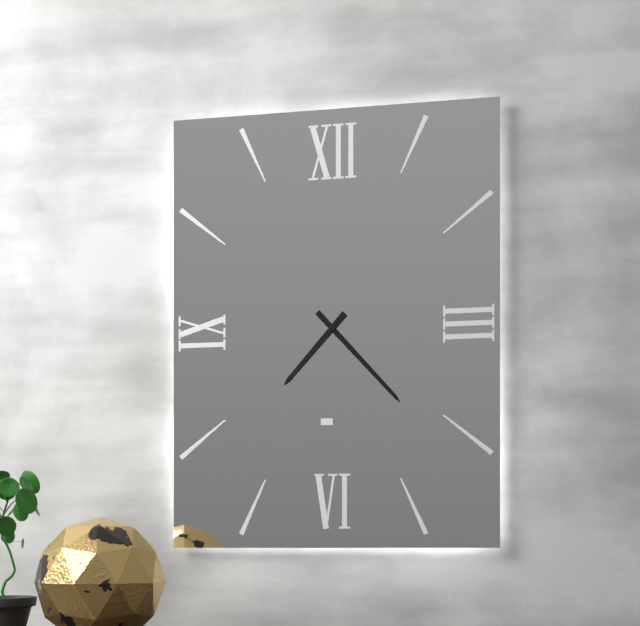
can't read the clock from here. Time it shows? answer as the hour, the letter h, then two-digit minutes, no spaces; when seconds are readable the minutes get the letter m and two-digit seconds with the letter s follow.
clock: 7h23
